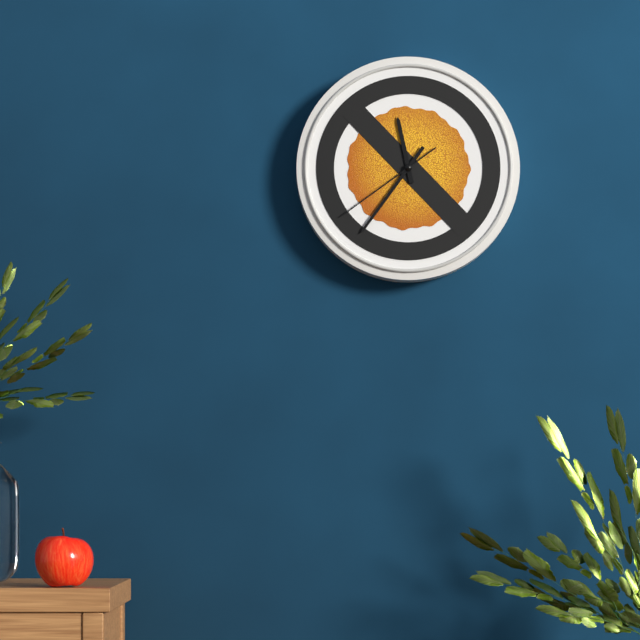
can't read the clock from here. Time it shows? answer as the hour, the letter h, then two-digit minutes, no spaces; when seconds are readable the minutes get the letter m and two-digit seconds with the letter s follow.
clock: 11h36m39s
